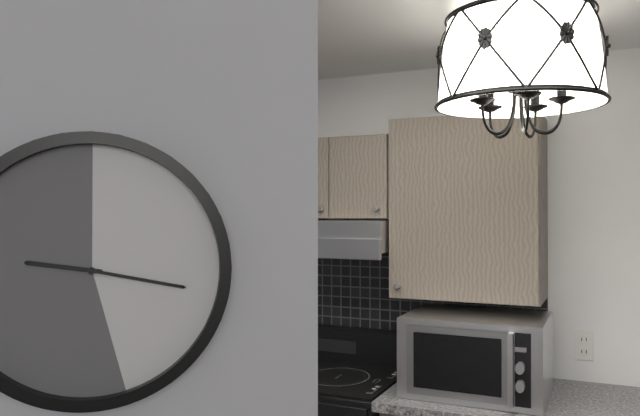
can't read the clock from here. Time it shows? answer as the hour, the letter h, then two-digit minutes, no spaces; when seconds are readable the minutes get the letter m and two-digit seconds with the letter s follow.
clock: 9h17
